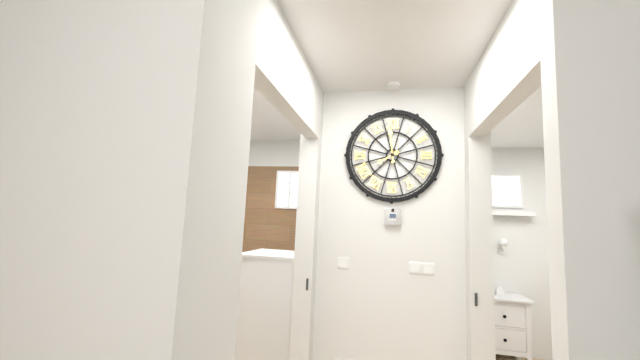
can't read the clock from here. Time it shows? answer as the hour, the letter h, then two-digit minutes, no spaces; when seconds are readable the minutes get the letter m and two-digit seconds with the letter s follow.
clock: 7h59
